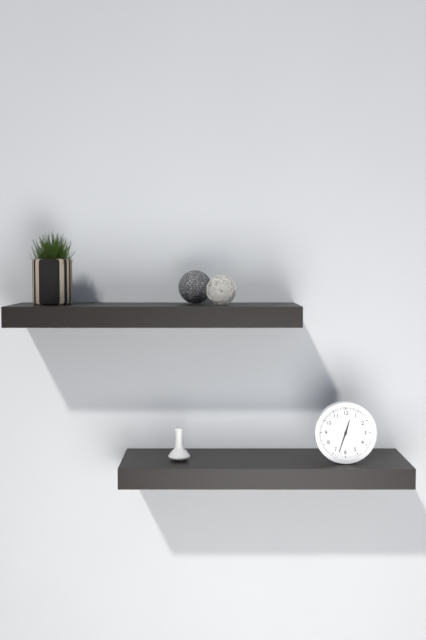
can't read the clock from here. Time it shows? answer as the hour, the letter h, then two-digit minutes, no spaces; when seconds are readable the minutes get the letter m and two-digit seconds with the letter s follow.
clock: 12h33
